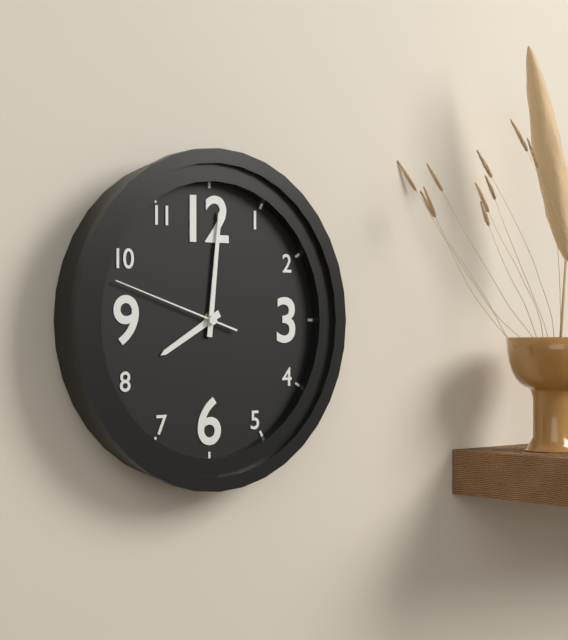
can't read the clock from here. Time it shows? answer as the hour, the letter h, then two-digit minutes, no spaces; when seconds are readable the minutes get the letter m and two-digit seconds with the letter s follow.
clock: 8h01m48s
